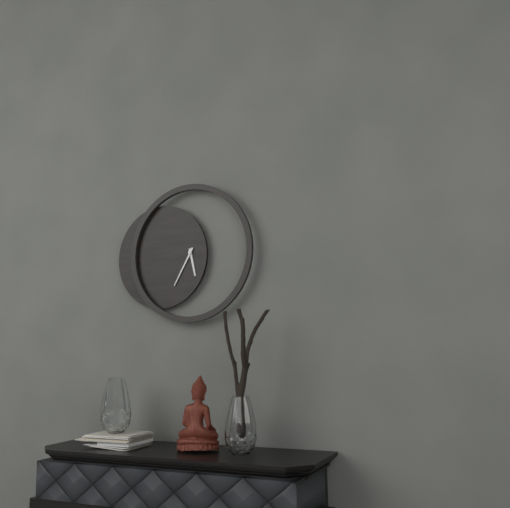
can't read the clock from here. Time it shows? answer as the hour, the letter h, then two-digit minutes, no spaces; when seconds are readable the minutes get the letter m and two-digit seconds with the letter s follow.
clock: 5h35
